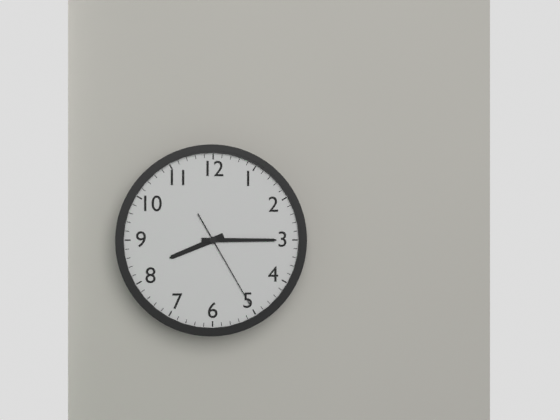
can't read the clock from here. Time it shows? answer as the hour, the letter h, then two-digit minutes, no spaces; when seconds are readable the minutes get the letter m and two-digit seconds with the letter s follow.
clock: 8h15m25s
